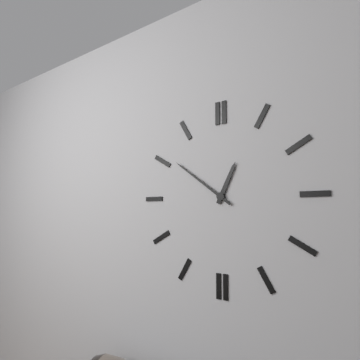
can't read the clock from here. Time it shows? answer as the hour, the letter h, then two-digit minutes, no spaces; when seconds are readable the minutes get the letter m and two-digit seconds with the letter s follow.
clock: 12h51
